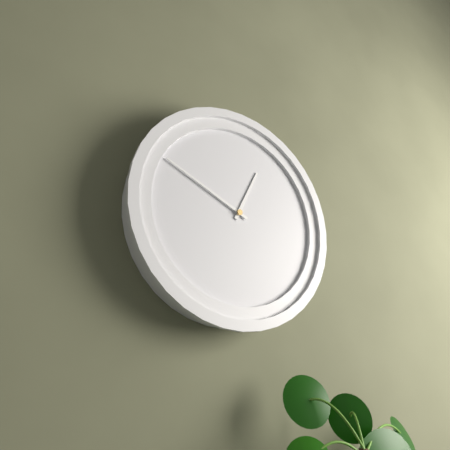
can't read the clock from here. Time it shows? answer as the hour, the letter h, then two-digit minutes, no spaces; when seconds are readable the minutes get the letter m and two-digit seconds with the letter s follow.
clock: 12h49
